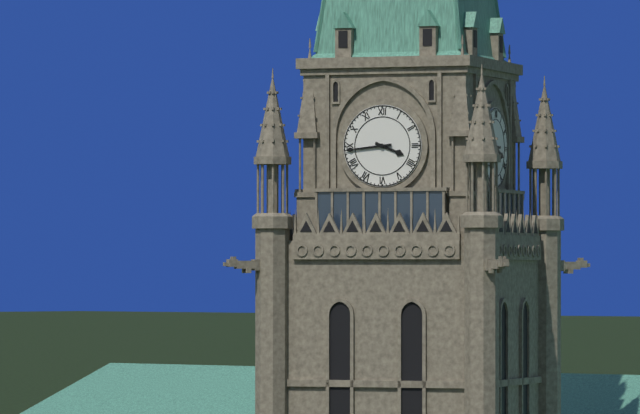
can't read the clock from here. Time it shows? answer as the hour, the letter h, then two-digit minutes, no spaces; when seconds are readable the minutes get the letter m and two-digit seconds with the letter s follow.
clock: 3h44
